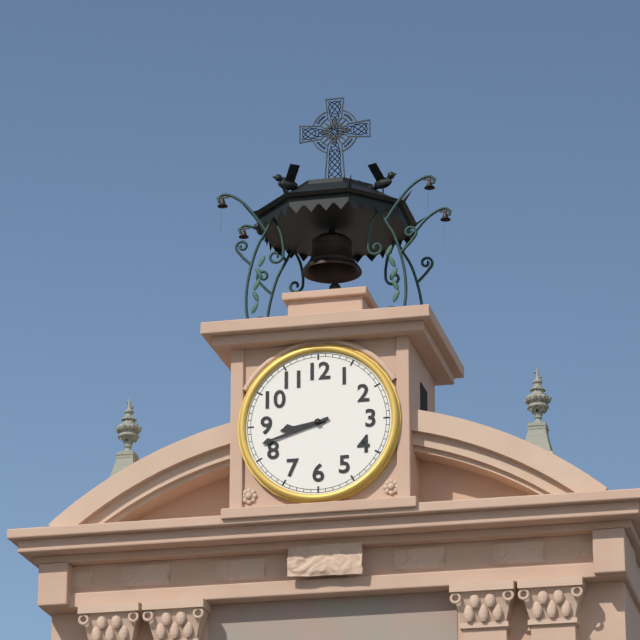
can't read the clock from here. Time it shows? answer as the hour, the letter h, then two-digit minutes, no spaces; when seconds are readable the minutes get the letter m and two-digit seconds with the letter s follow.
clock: 8h42
